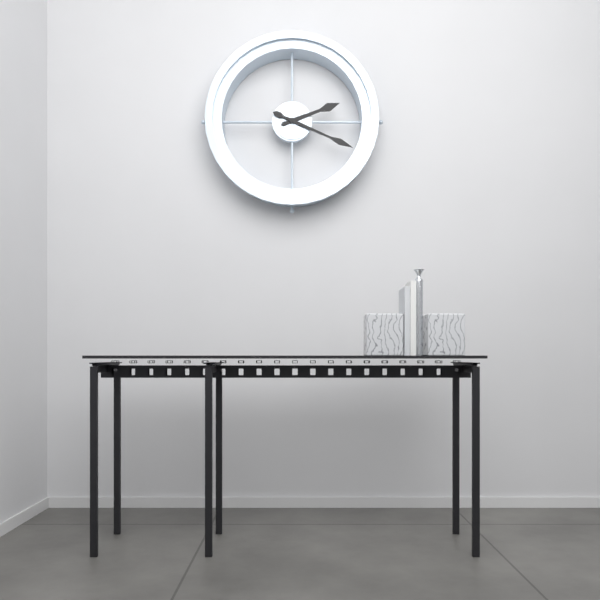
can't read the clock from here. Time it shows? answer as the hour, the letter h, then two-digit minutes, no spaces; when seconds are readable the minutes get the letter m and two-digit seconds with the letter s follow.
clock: 2h19
